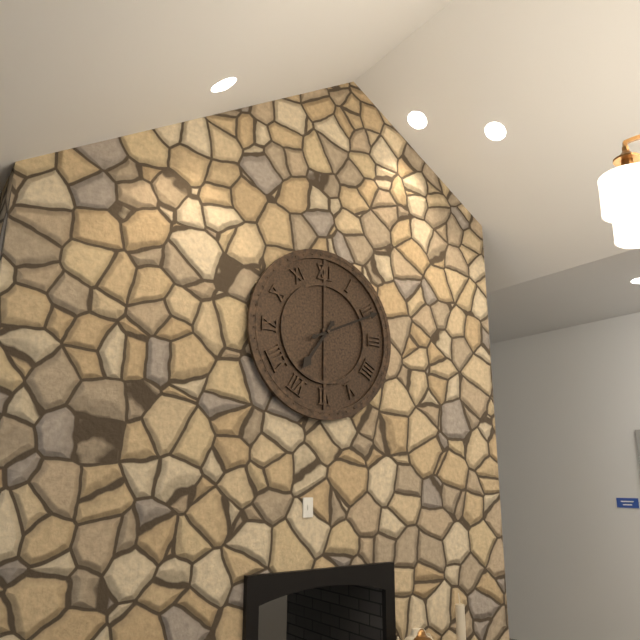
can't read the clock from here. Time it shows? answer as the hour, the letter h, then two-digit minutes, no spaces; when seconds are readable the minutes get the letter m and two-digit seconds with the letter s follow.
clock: 7h11
